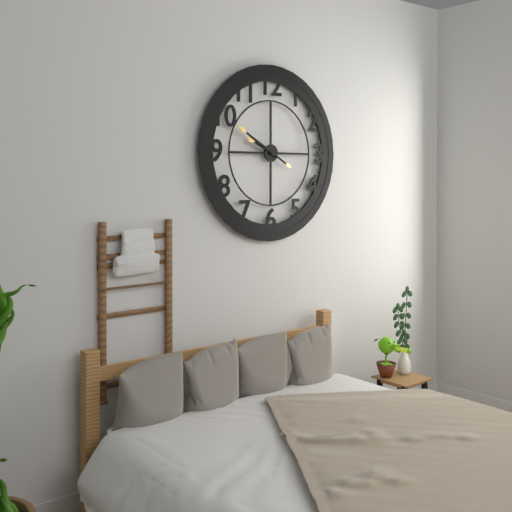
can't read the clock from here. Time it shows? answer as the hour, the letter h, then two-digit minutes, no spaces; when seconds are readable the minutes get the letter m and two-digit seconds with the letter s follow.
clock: 9h50
